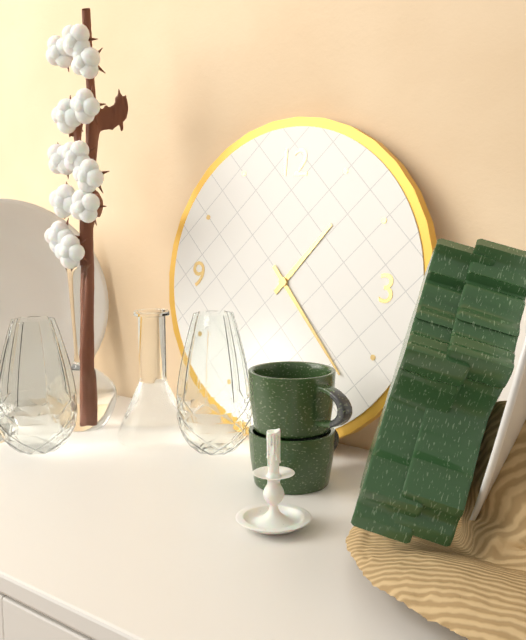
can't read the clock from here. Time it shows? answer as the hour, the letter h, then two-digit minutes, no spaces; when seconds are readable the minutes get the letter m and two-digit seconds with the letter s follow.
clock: 1h23
